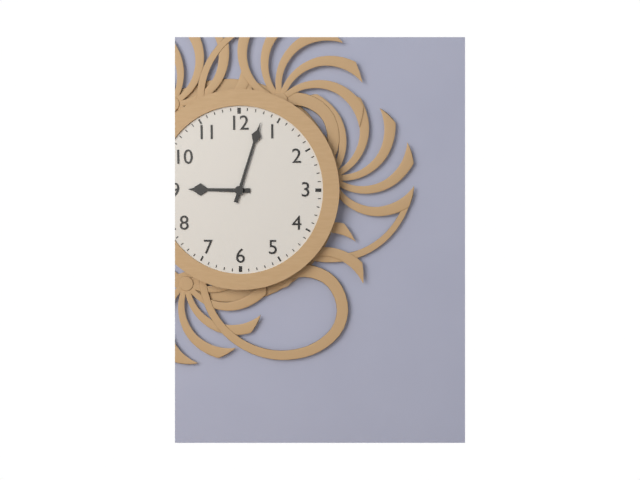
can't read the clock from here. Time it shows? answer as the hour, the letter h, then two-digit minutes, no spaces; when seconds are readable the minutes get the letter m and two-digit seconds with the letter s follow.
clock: 9h03
